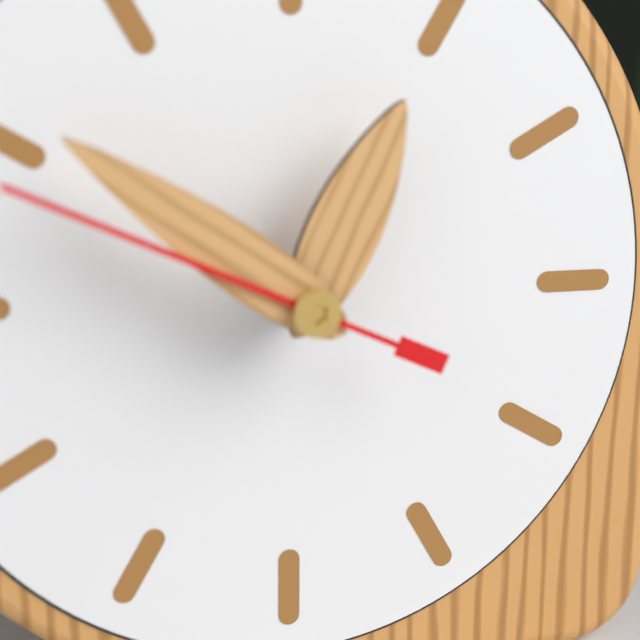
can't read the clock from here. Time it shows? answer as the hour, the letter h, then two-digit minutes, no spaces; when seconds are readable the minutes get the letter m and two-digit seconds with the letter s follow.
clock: 12h51
